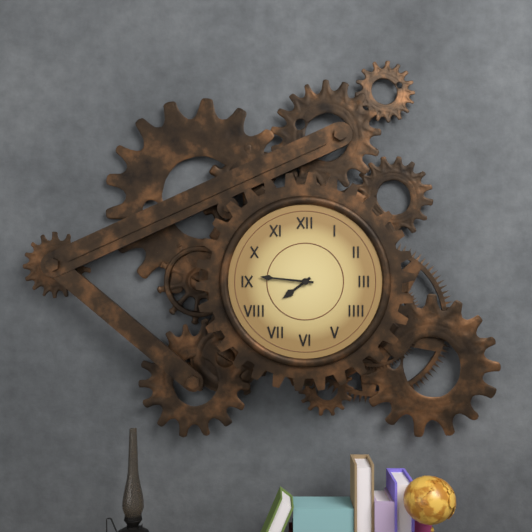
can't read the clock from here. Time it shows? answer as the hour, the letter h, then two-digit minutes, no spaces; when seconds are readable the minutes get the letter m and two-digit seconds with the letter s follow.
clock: 7h46
